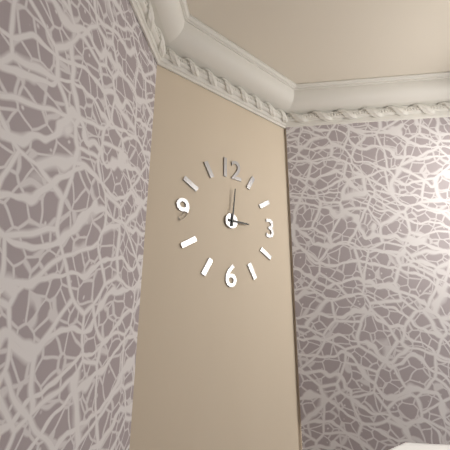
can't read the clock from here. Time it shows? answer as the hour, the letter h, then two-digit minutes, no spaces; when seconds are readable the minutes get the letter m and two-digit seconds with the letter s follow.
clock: 3h01
